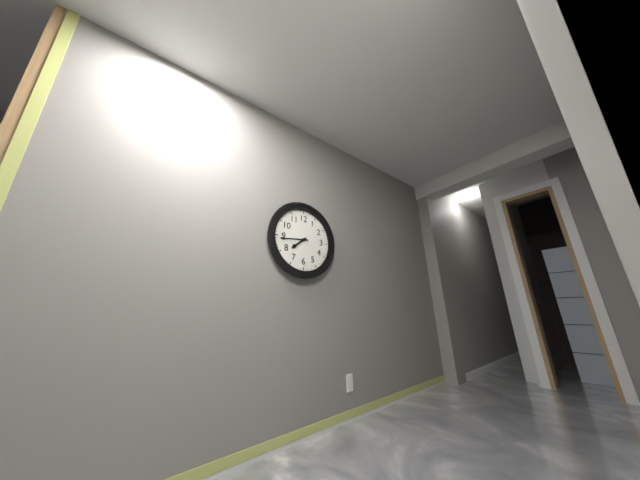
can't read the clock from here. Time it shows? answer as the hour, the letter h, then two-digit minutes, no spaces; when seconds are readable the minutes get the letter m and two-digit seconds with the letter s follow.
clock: 7h44
